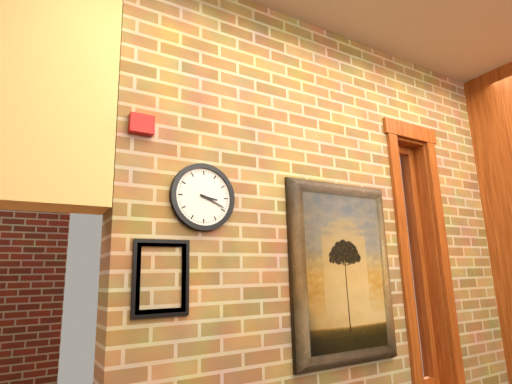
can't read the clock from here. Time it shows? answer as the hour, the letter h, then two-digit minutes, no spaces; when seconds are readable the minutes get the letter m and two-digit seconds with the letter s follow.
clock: 3h19
